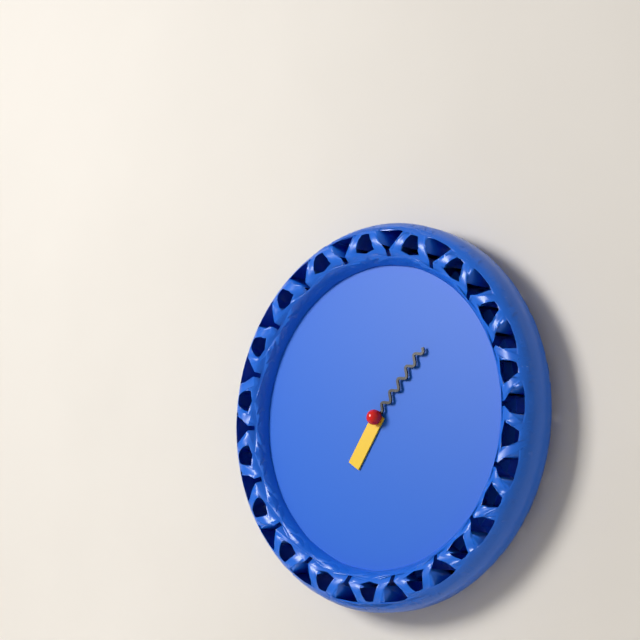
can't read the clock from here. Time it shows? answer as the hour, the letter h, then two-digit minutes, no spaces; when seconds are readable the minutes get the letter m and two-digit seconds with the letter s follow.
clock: 7h07
